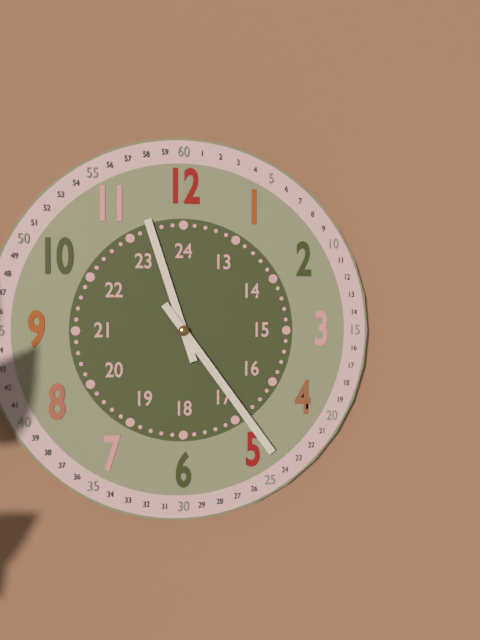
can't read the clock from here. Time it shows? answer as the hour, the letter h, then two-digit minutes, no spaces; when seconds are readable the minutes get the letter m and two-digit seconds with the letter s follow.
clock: 11h24
